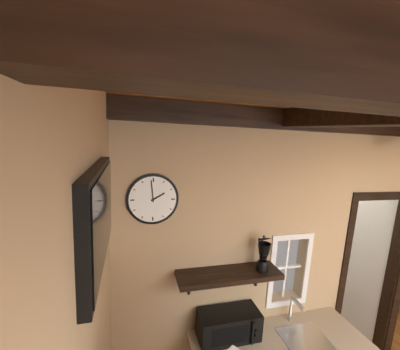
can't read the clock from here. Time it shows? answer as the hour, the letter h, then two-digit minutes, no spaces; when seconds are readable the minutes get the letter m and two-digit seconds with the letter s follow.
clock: 1h59
